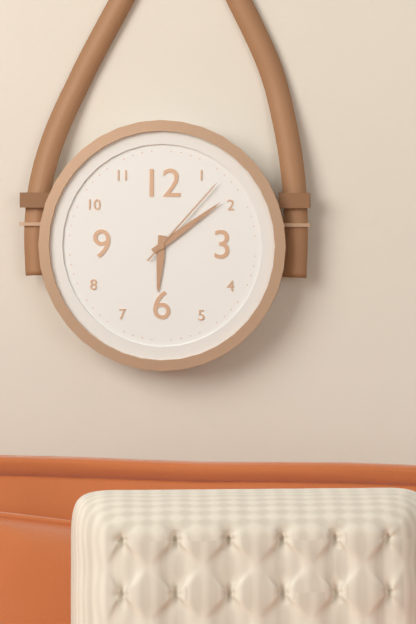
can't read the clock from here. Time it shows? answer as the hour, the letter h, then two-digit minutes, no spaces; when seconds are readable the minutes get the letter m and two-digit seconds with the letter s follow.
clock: 6h09m07s
